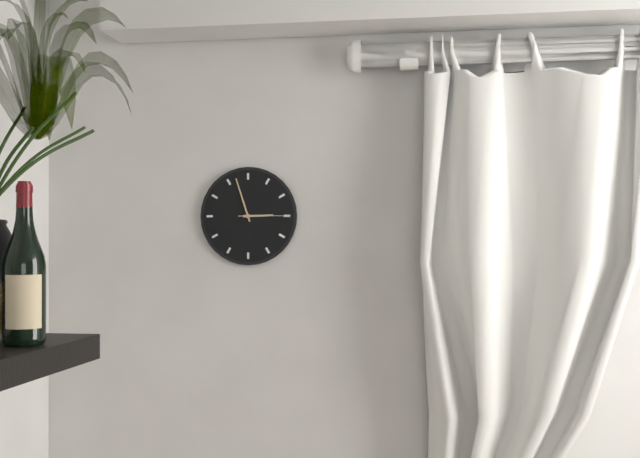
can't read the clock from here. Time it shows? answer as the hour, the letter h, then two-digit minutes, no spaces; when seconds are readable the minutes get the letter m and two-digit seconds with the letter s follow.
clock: 2h57m15s
